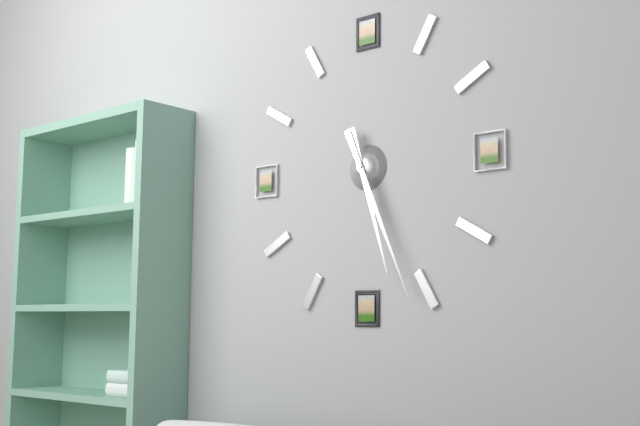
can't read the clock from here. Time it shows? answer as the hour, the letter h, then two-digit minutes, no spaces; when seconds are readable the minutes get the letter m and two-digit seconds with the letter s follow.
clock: 5h26
